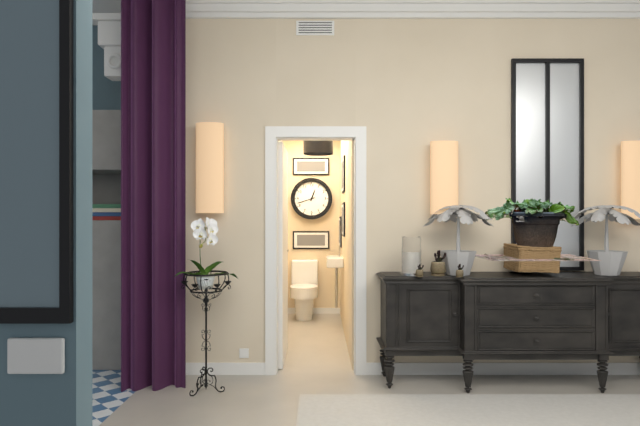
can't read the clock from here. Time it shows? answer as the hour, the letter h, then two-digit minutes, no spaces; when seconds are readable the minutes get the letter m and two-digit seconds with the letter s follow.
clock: 12h42
